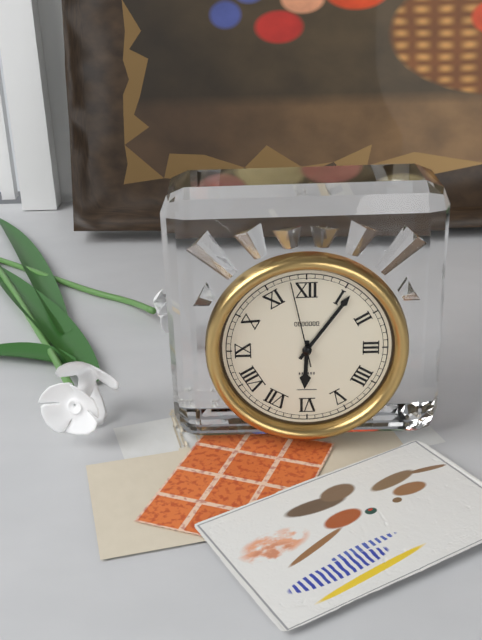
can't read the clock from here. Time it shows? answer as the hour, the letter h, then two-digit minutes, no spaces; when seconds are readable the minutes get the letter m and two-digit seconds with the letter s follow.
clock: 6h06m58s
